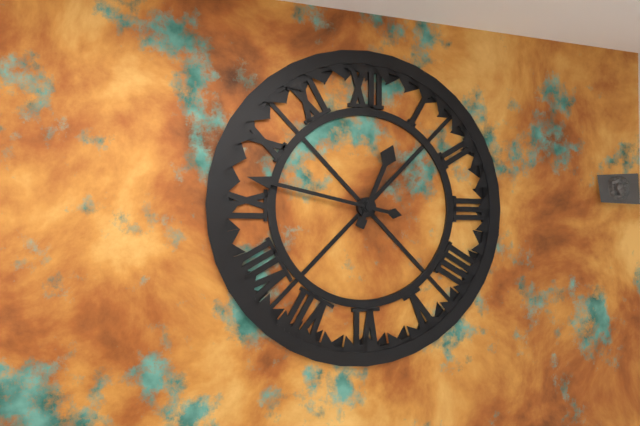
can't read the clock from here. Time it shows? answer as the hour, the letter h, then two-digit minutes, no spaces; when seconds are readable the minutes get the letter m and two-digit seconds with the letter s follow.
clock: 12h47
